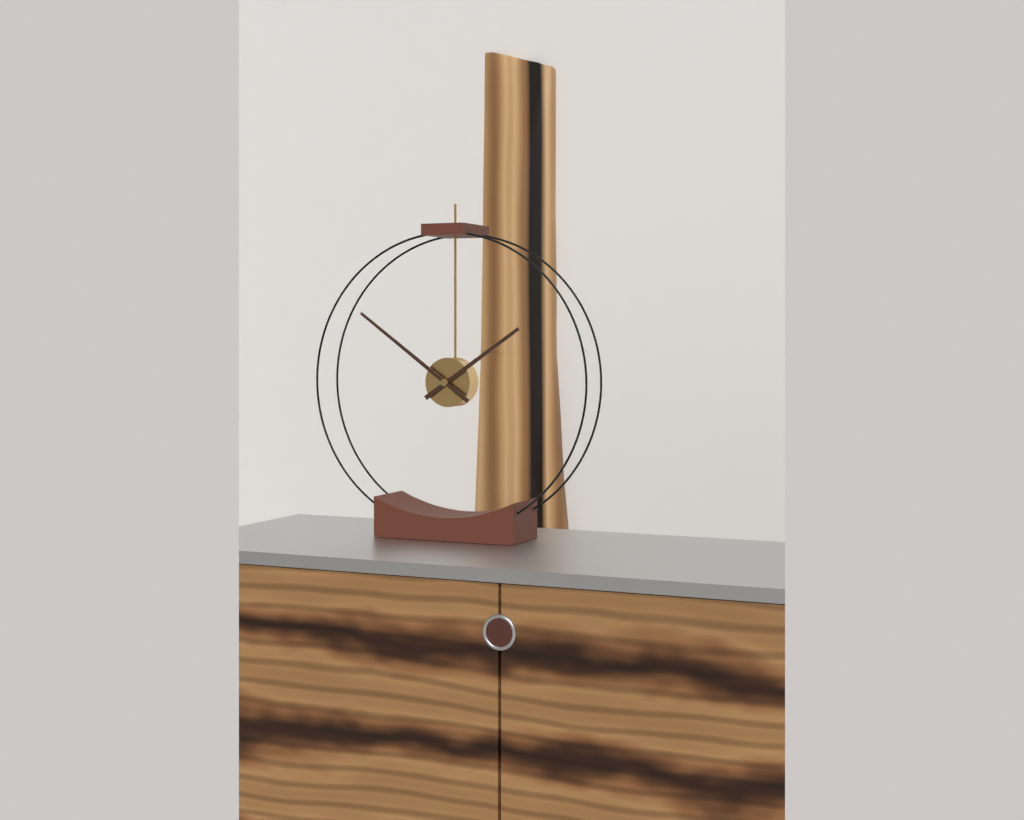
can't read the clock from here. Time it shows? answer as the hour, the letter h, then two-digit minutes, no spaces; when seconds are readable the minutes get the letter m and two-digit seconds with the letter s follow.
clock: 1h51
